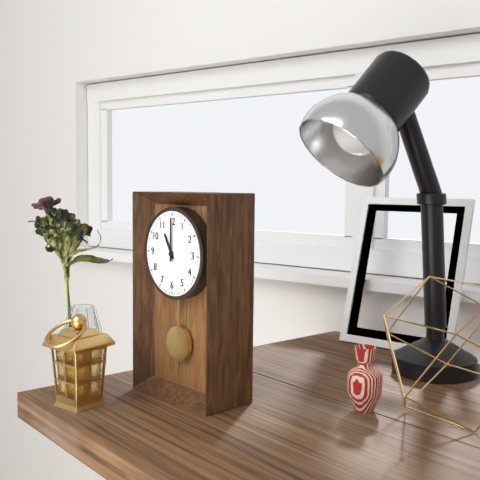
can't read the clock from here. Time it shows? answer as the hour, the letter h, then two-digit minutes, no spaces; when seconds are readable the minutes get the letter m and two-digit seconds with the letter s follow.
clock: 11h00
